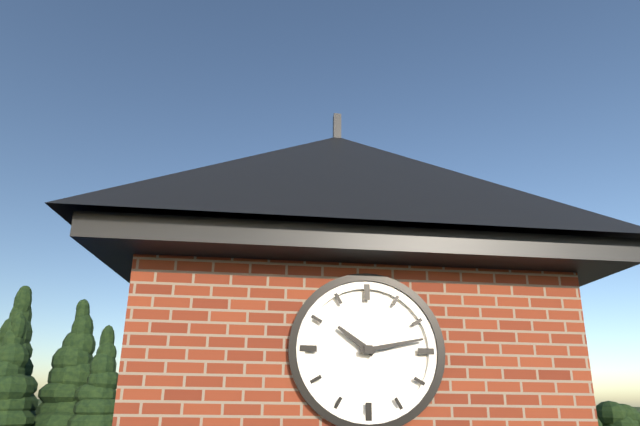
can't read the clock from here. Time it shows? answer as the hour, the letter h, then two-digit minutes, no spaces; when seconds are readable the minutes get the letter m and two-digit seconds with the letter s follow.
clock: 10h13
